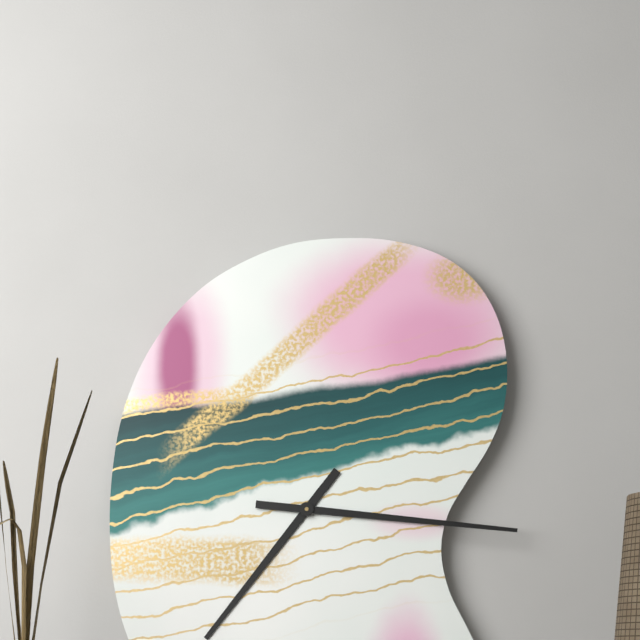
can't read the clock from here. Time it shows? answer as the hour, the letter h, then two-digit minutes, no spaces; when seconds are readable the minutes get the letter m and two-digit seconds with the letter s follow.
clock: 7h16
